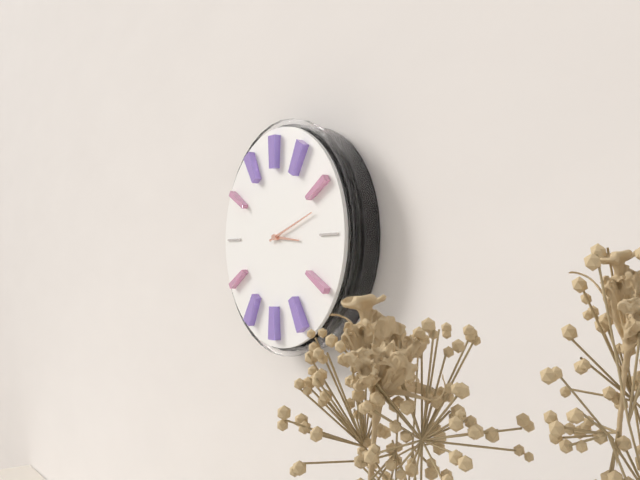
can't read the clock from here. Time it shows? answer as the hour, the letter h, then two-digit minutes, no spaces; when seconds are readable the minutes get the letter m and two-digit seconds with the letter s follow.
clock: 3h12
